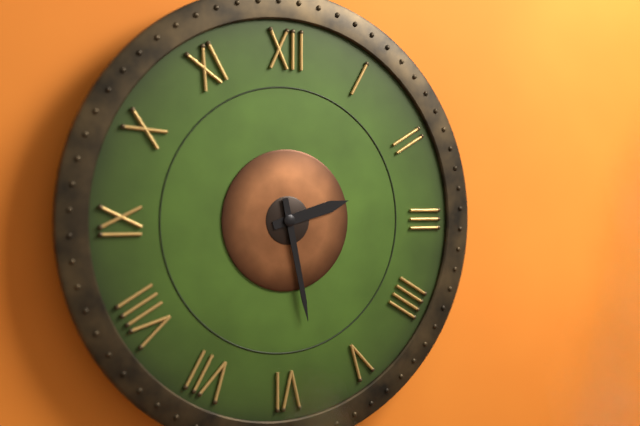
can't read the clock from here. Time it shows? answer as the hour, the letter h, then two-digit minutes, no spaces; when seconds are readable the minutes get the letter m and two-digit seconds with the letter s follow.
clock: 2h28
